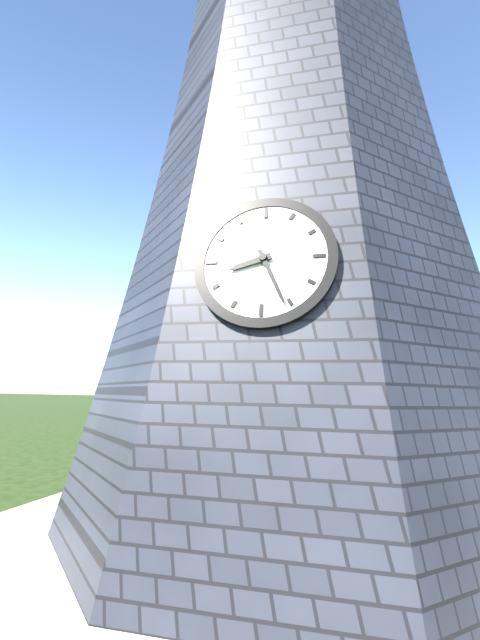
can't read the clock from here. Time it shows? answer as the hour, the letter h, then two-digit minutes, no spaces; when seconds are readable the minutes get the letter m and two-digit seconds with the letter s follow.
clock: 8h26
